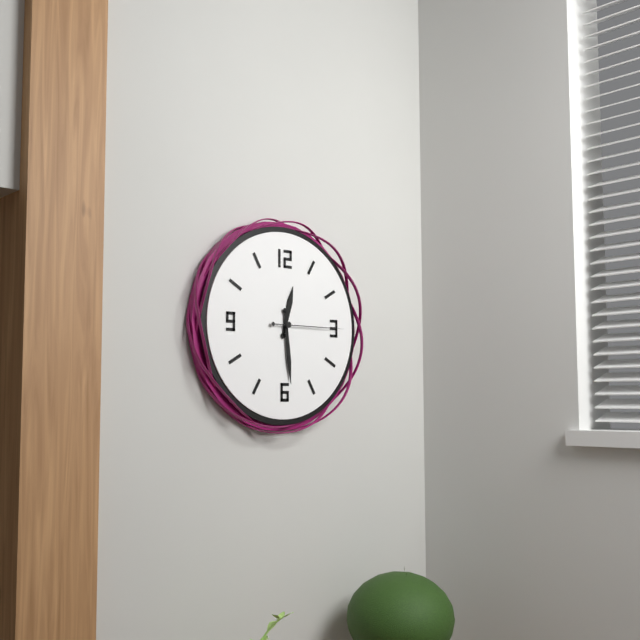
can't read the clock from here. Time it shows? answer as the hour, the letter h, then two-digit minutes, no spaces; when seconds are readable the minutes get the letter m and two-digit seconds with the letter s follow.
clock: 12h29m15s
